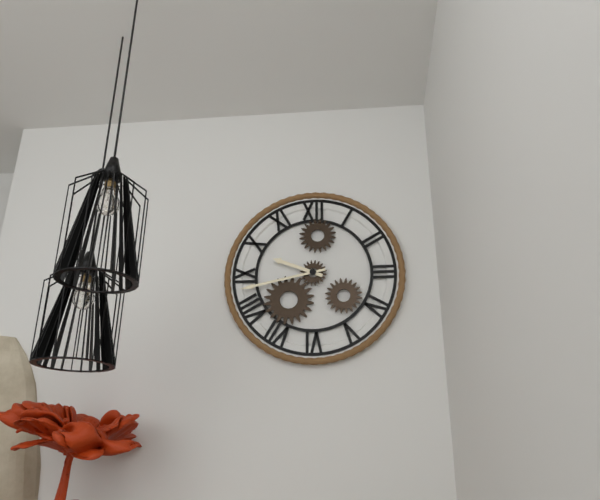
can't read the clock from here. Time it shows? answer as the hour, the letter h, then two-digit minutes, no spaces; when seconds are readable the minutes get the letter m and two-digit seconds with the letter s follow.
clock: 9h43
